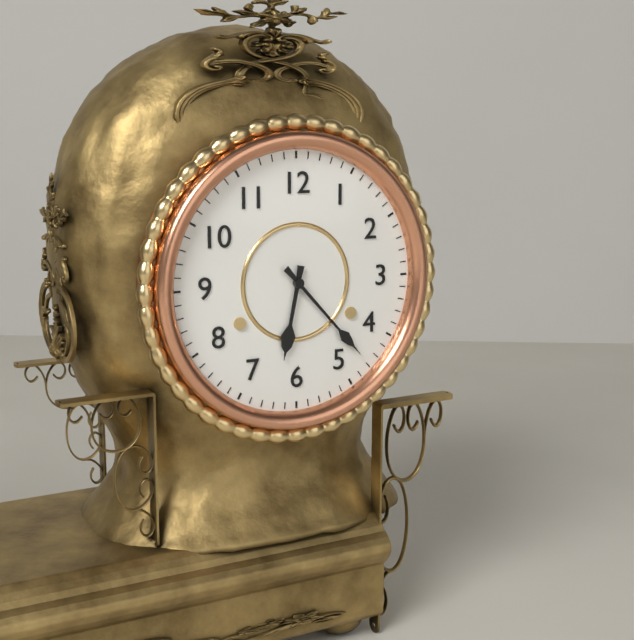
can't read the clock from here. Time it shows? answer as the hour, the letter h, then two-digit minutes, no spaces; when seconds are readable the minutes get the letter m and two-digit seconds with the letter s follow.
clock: 6h23
